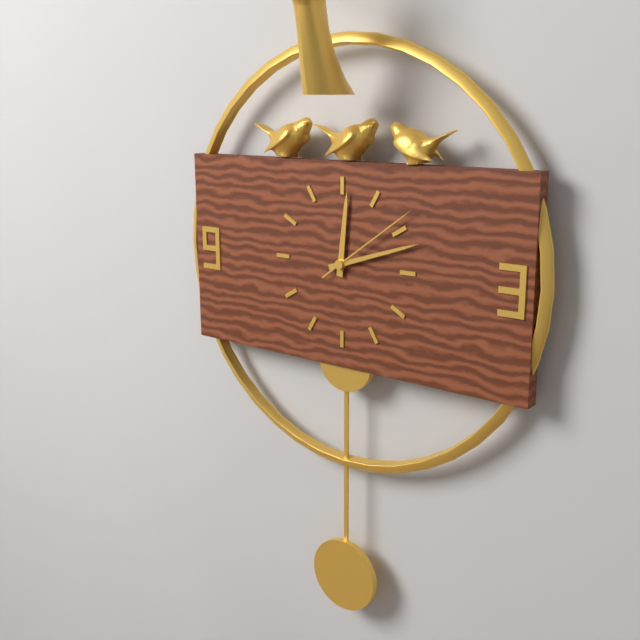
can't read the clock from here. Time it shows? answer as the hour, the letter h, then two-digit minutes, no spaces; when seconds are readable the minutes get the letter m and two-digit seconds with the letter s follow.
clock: 12h12m09s
